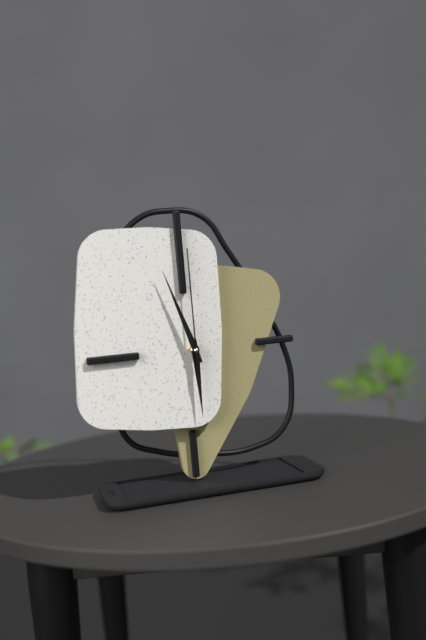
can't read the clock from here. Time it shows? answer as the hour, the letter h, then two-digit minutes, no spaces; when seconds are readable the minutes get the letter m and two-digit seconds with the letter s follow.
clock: 5h57m00s
